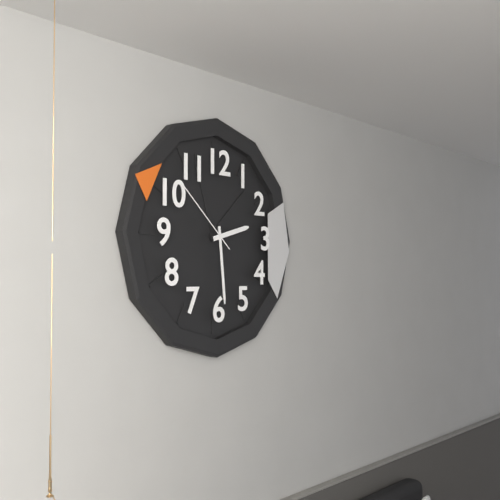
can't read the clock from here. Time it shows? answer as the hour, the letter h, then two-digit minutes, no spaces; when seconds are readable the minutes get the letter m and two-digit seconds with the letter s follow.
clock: 2h29m52s
